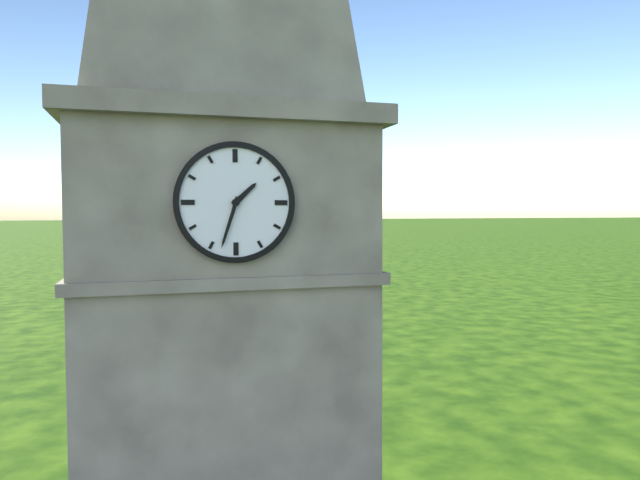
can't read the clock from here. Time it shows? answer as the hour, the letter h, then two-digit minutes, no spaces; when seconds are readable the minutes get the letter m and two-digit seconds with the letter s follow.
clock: 1h33
